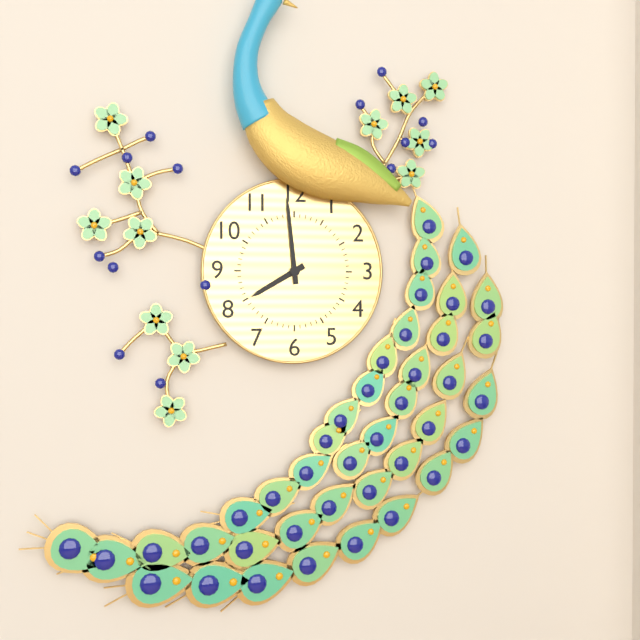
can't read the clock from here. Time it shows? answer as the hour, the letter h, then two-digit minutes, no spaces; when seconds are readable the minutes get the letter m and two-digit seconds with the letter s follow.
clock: 7h59
